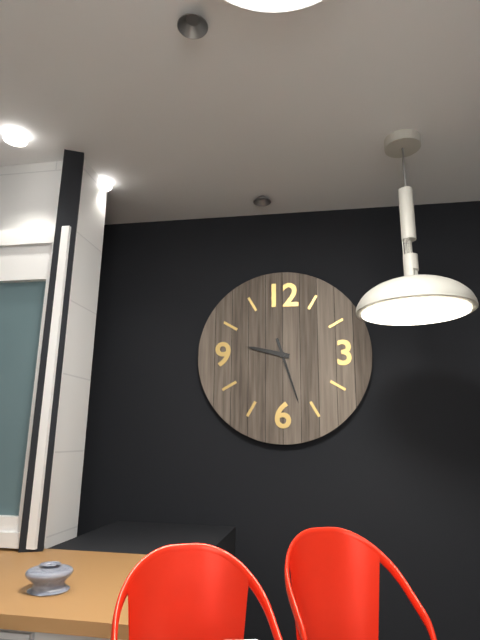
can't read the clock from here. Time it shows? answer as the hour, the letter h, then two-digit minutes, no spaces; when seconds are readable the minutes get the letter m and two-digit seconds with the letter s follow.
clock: 9h27
